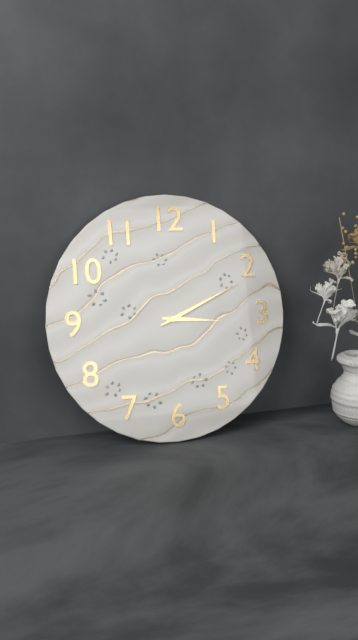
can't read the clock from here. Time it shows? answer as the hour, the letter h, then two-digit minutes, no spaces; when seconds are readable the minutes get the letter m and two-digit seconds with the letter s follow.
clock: 3h11
